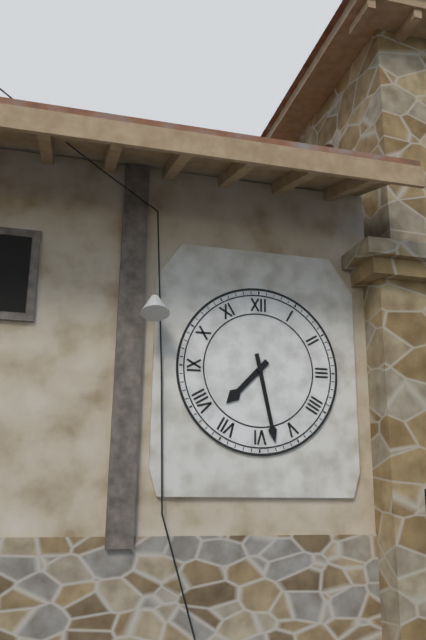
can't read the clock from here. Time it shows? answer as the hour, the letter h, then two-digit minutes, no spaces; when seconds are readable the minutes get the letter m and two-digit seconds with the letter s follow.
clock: 7h28
